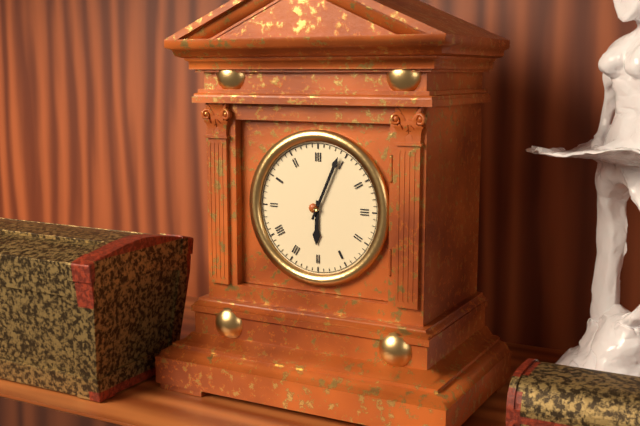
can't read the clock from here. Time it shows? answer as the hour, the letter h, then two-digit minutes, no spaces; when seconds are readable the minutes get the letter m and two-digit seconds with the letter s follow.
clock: 6h04
